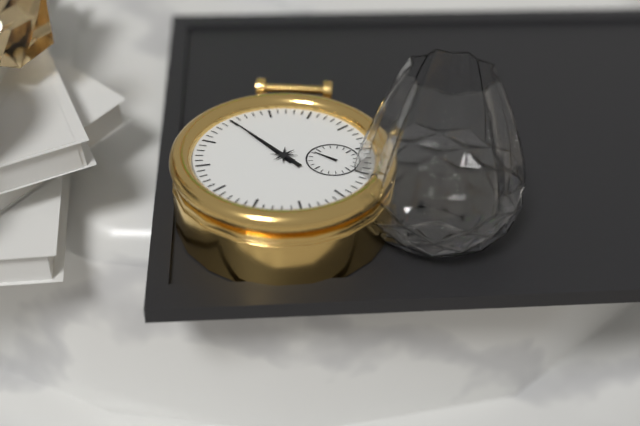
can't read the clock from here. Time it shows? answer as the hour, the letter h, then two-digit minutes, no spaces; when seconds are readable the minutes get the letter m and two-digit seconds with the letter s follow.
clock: 12h00
